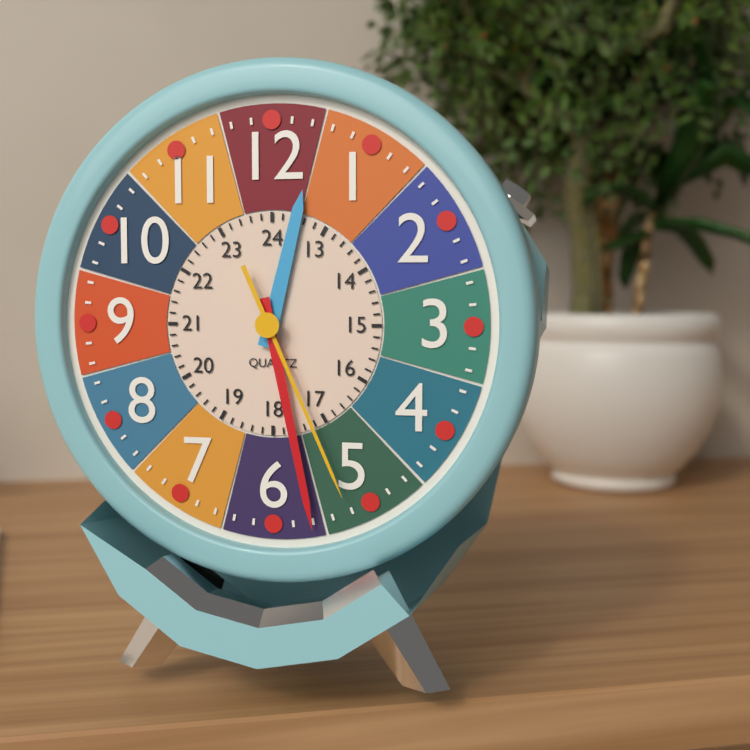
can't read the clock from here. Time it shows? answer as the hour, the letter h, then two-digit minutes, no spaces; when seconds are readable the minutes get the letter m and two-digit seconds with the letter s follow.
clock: 12h28m26s
